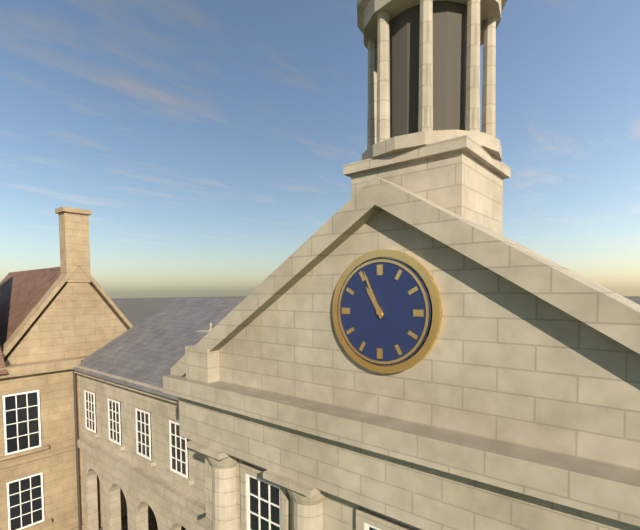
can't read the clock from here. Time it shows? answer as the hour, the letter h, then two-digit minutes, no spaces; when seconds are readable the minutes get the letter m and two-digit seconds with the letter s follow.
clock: 10h56
